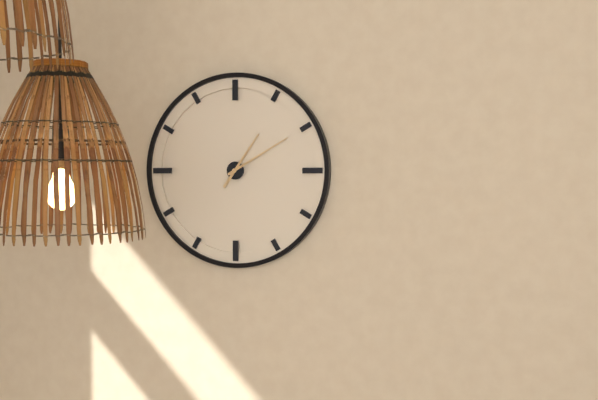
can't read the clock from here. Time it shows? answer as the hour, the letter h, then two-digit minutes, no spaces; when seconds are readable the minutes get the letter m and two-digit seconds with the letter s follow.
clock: 1h10
